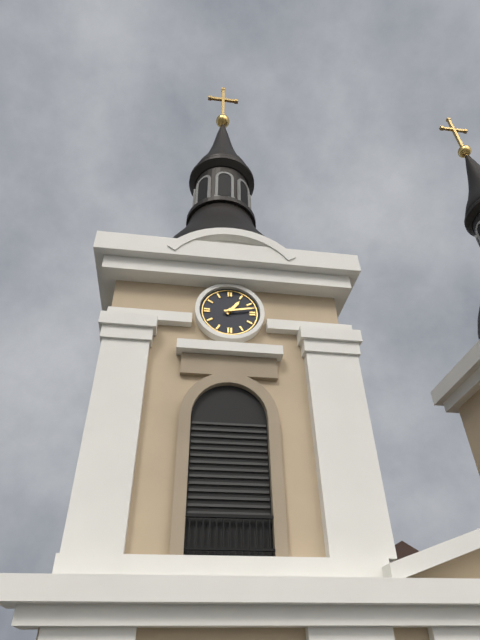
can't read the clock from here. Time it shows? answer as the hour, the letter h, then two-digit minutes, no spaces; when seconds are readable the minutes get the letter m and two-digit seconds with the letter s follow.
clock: 1h13
